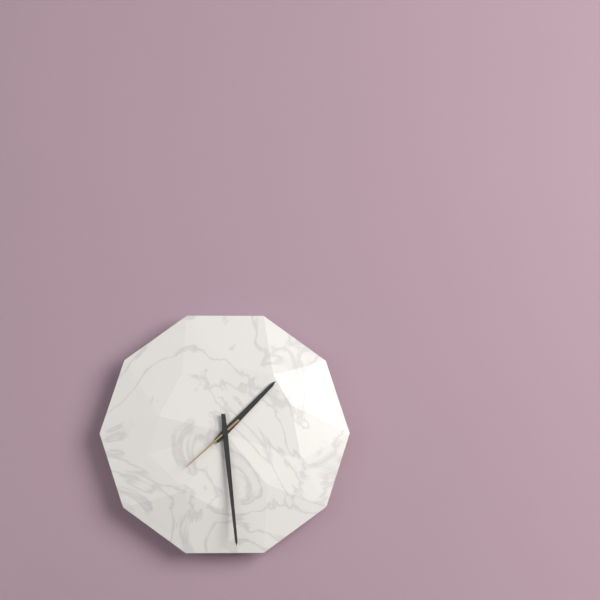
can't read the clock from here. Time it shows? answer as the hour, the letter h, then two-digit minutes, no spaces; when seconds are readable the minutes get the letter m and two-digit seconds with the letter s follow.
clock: 1h29m38s
